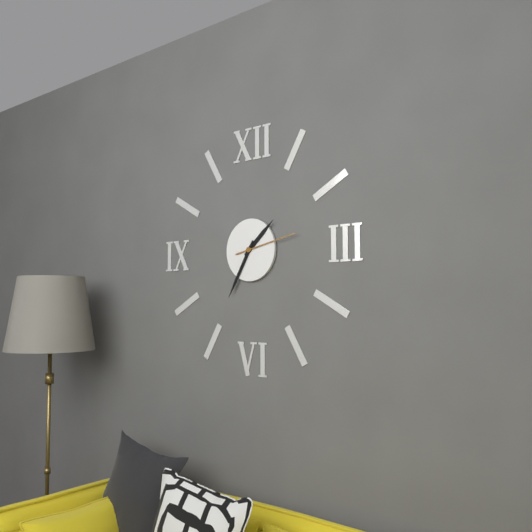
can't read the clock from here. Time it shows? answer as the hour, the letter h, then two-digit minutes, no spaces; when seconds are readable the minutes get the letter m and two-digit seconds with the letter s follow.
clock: 1h35m13s
